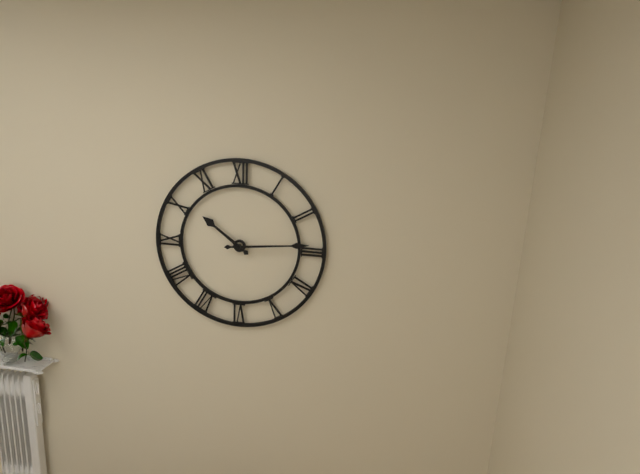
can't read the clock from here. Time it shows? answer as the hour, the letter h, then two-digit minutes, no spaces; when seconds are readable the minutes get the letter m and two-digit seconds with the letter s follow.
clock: 10h14
